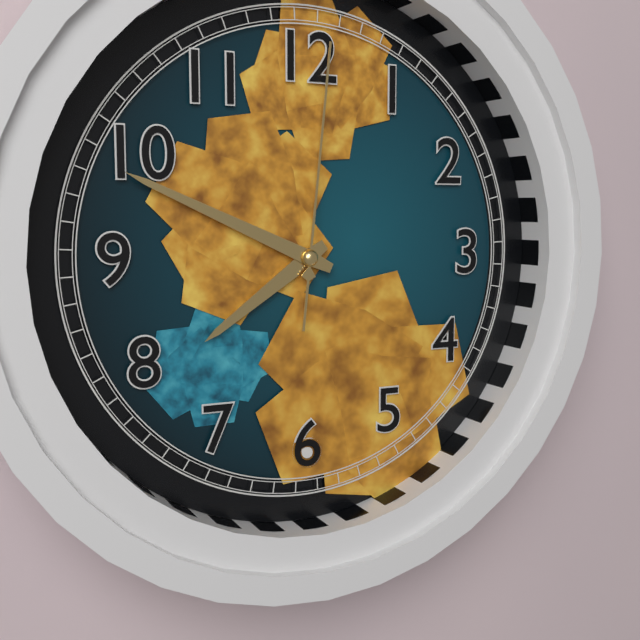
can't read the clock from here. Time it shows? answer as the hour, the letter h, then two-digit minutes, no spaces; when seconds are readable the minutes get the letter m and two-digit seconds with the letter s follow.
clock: 7h49m01s
